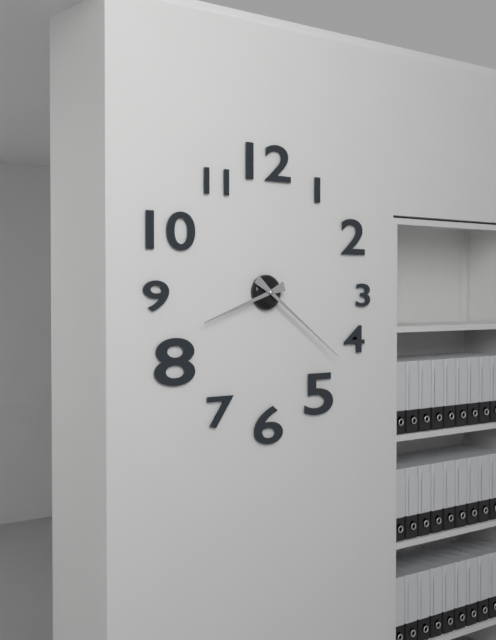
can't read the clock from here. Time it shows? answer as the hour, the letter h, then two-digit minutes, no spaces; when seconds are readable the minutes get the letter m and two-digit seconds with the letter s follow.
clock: 8h21
